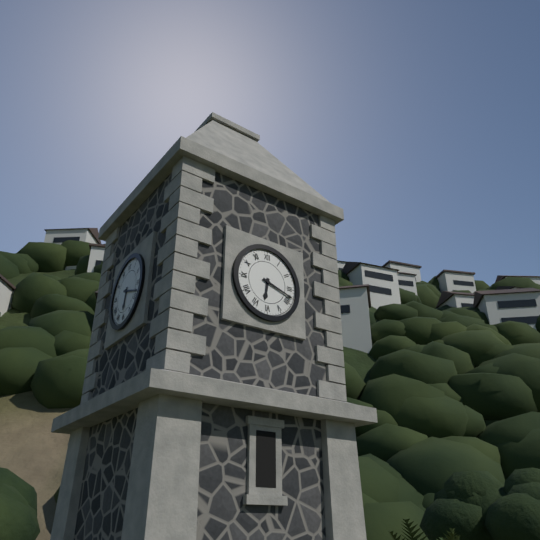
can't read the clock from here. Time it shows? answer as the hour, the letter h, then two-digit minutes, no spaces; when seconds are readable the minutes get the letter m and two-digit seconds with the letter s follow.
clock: 6h18
